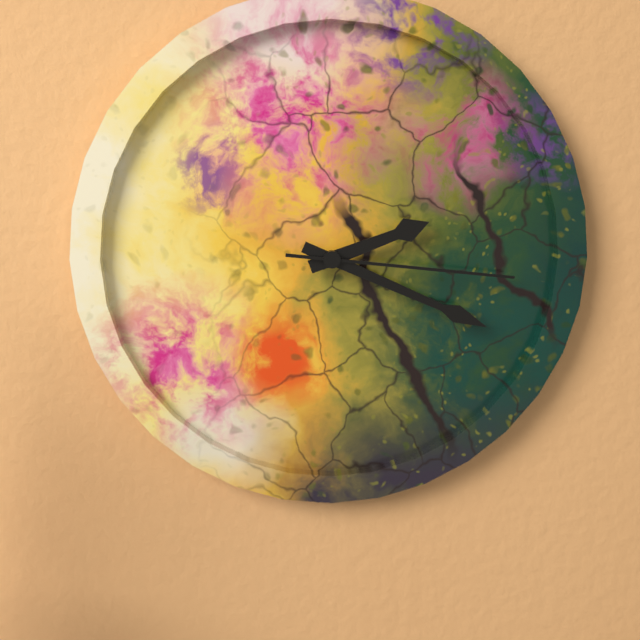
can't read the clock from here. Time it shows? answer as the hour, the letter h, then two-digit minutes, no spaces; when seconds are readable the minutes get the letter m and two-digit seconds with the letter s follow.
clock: 2h19m16s
